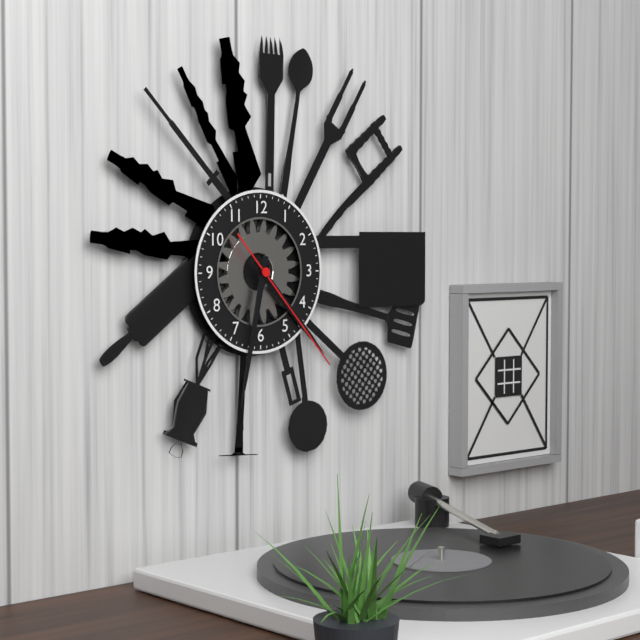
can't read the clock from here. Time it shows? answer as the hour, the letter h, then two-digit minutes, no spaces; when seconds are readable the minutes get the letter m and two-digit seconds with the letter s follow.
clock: 4h32m23s
